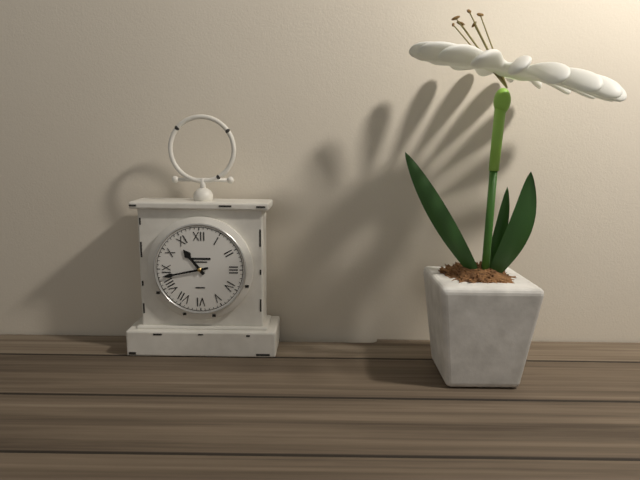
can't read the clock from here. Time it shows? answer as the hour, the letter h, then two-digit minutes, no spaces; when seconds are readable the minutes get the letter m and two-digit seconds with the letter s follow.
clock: 10h43
